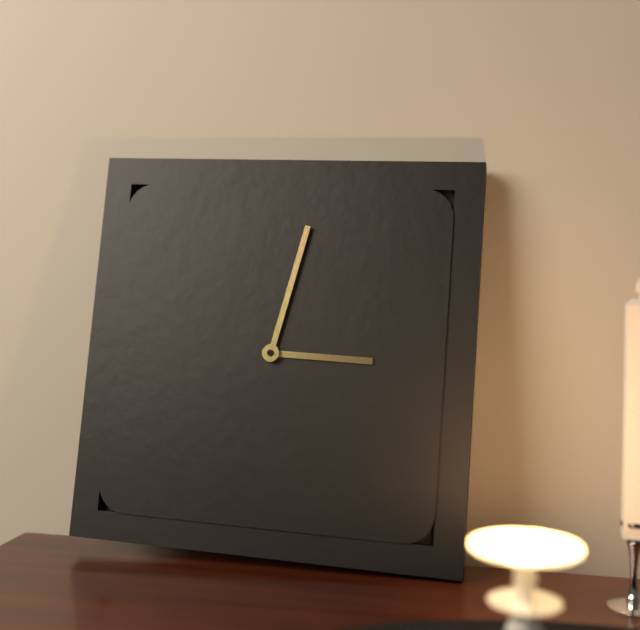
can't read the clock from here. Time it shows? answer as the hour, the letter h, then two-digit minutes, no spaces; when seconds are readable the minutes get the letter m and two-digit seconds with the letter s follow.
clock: 3h02
